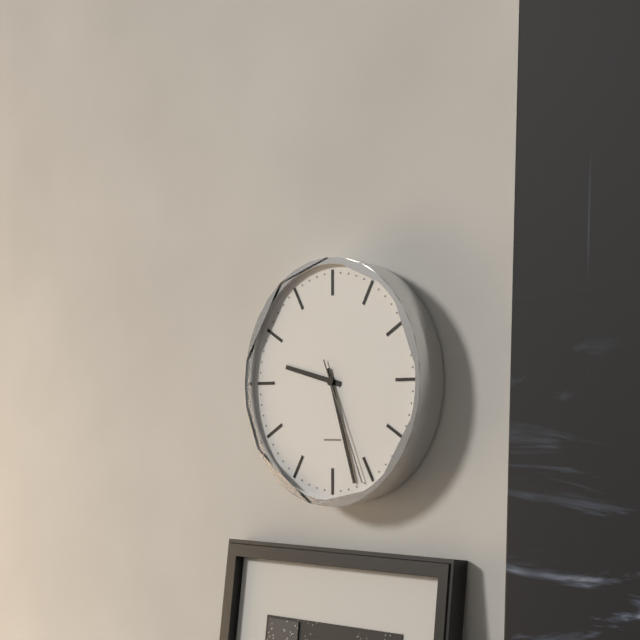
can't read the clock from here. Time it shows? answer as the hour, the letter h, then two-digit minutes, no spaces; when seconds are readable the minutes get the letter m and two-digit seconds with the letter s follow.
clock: 9h27m26s
